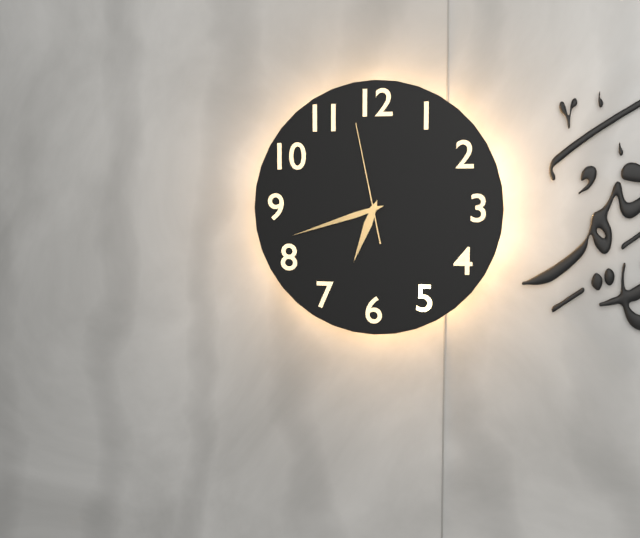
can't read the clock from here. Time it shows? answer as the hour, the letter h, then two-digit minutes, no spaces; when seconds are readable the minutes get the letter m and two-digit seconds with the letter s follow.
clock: 6h42m58s
